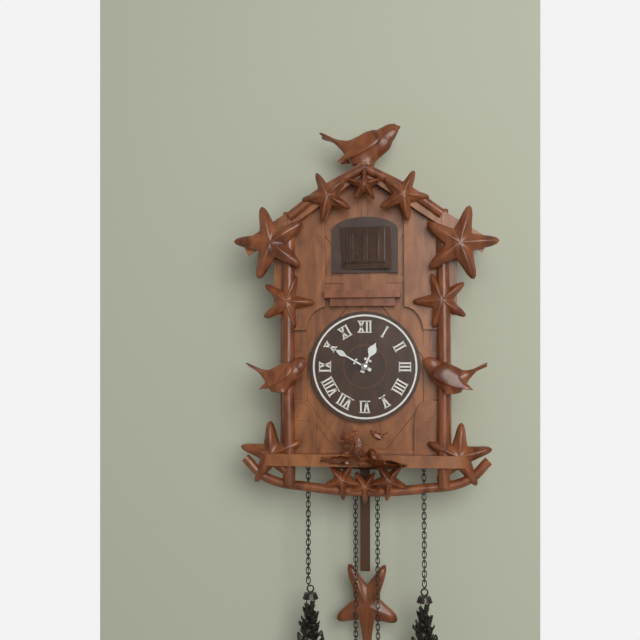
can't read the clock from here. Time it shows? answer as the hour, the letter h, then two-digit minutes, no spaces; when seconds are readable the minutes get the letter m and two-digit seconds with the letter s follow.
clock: 12h50
